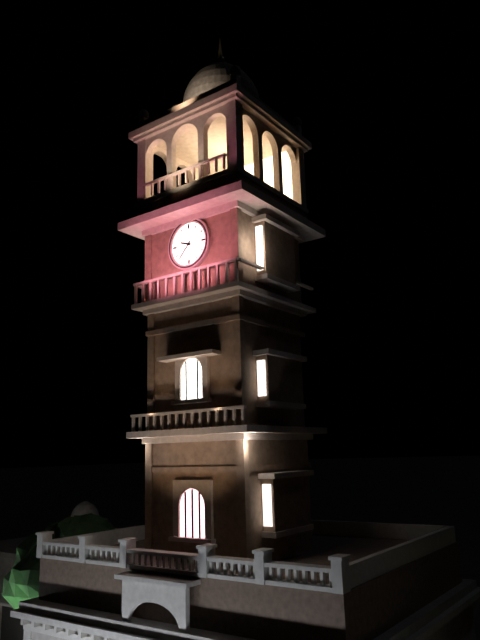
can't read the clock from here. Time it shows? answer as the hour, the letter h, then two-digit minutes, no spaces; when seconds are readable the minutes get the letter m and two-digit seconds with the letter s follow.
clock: 9h37
